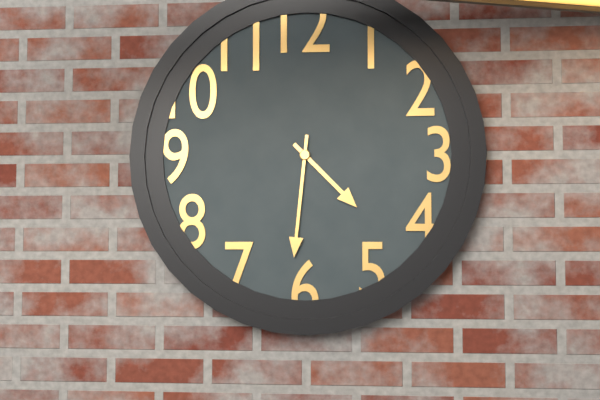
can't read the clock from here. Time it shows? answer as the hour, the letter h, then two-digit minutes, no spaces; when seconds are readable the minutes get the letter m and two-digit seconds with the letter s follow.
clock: 4h31
